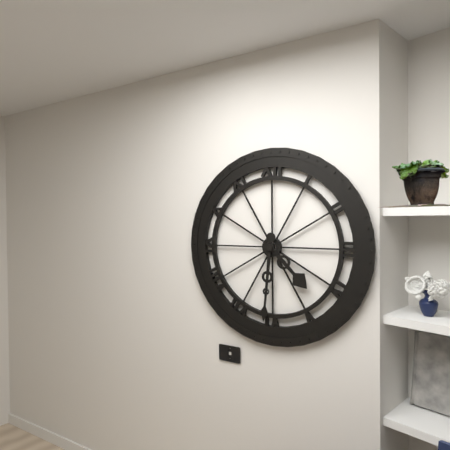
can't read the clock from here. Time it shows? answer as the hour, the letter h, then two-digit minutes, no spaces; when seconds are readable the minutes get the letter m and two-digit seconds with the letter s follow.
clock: 4h31
